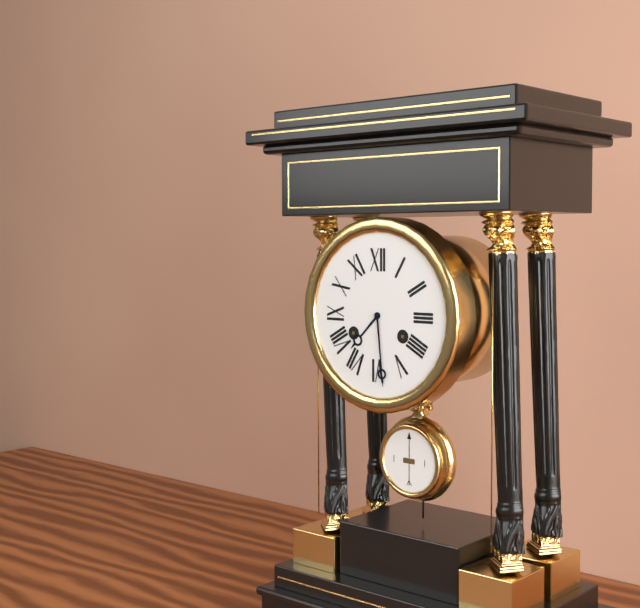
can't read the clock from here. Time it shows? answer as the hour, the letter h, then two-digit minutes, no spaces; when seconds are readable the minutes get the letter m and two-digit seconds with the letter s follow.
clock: 7h29
